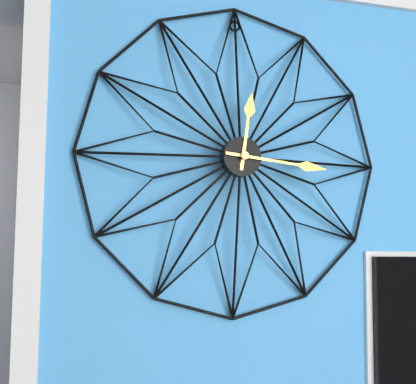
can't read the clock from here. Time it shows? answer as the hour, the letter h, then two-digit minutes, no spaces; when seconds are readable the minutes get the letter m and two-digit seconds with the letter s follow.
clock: 12h16
